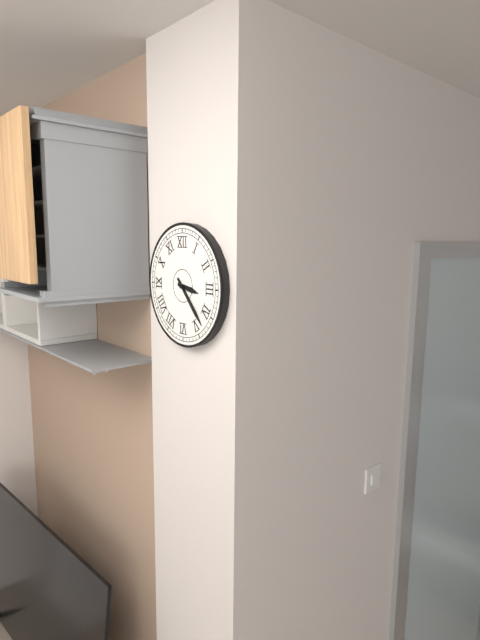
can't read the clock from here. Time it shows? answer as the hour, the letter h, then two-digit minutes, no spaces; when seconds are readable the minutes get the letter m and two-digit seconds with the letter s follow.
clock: 3h23
